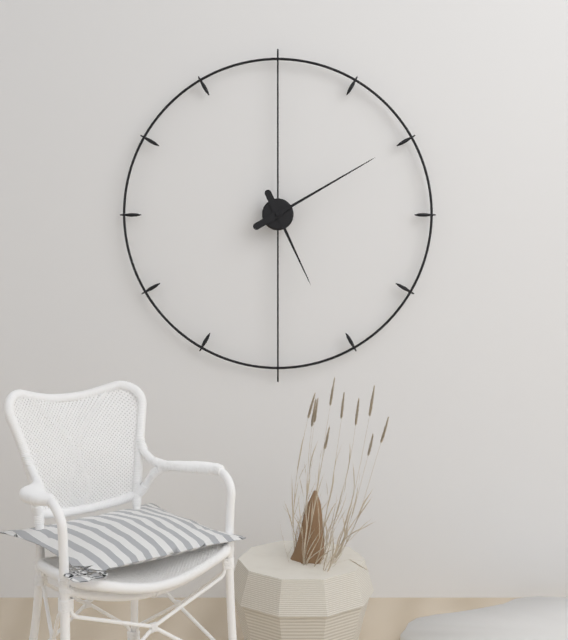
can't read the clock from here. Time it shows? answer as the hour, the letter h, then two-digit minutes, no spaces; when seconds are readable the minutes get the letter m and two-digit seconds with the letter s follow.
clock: 5h10
